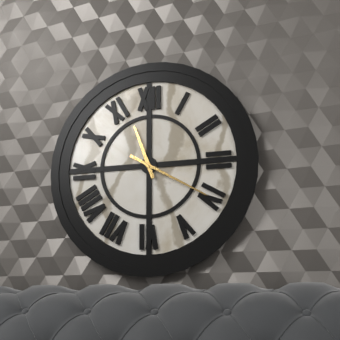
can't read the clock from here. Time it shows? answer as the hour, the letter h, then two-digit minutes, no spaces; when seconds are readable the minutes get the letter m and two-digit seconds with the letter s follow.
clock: 11h20
